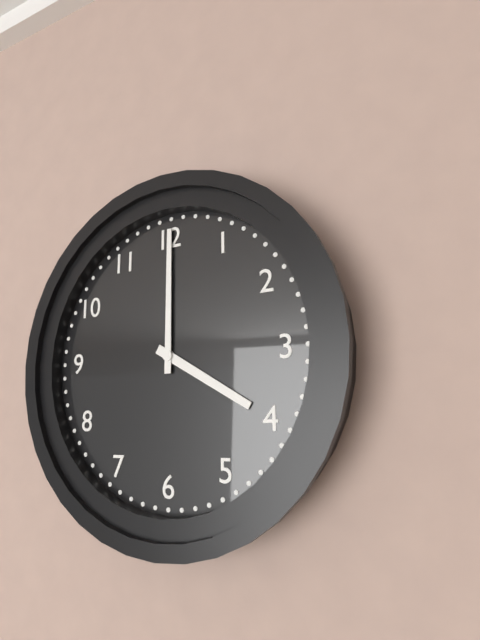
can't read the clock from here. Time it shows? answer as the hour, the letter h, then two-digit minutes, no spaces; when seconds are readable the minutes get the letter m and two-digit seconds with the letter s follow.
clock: 4h00
